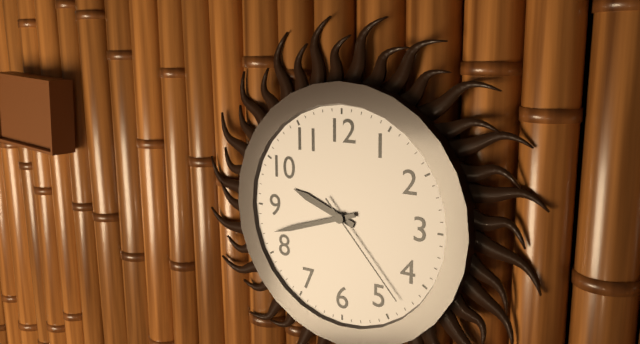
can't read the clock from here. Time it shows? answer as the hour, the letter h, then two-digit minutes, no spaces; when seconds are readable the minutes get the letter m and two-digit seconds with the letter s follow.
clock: 9h42m23s
